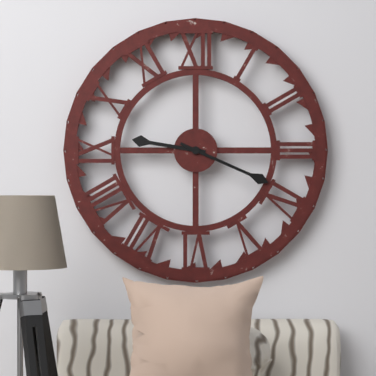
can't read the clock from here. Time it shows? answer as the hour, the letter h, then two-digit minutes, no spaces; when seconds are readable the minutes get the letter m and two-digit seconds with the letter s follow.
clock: 9h19
